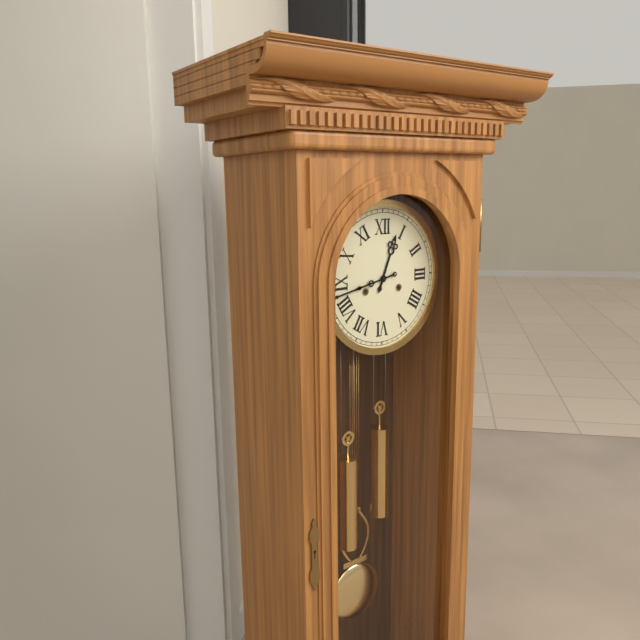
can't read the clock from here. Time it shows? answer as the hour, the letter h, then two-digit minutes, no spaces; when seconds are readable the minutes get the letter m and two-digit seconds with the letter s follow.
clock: 12h43
